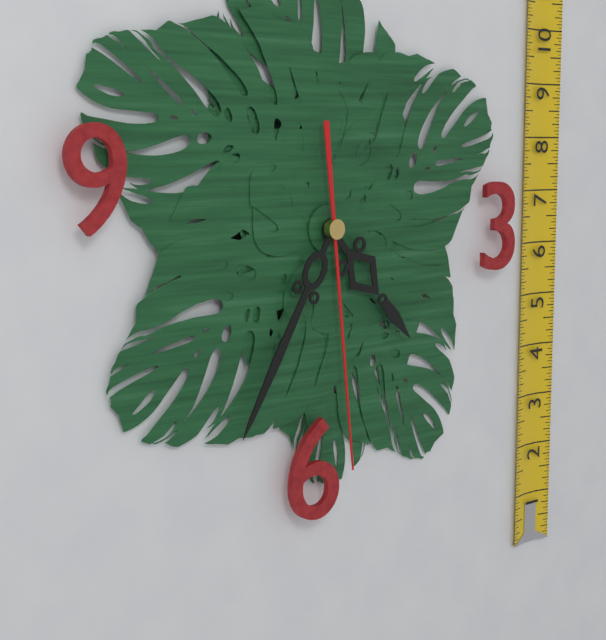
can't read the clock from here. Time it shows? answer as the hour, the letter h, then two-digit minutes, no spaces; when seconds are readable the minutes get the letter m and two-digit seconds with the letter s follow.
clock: 4h35m29s
